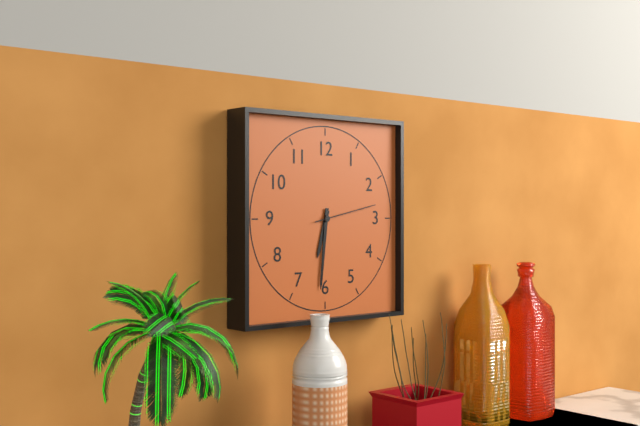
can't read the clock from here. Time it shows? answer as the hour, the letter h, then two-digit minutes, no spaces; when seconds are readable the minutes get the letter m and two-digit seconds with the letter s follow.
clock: 6h31m13s
